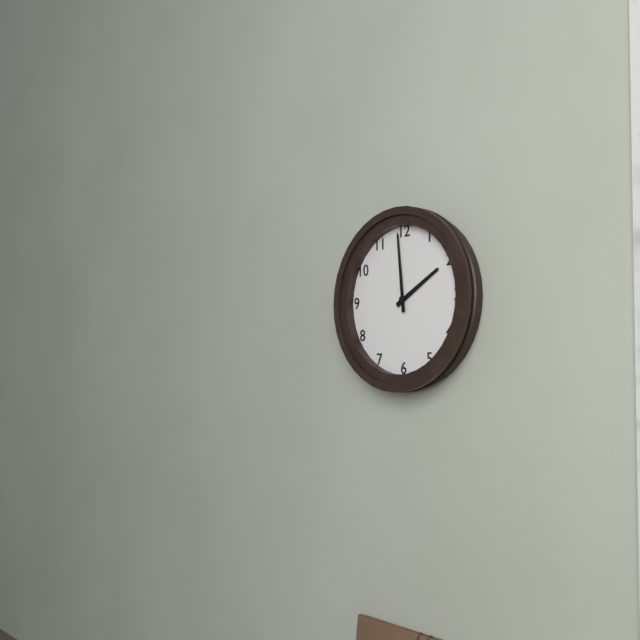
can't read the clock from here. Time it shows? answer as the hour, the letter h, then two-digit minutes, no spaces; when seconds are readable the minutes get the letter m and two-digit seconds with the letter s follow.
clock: 1h59
